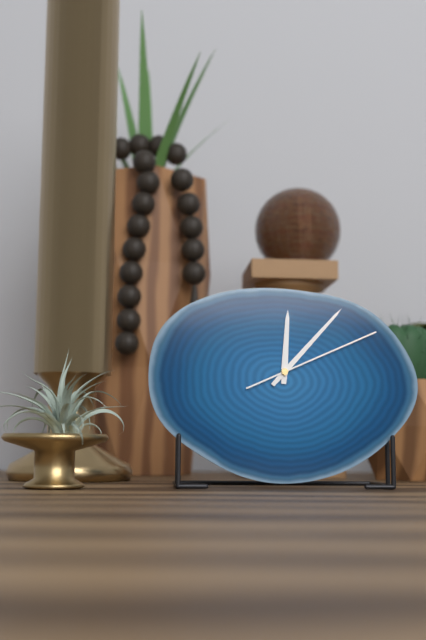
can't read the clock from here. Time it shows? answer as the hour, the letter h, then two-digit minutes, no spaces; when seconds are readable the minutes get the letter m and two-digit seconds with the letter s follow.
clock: 12h07m11s
